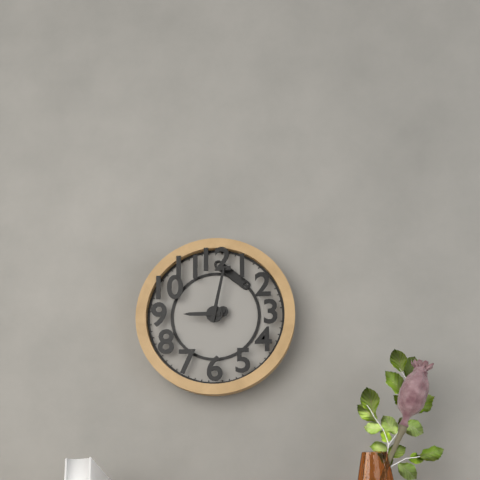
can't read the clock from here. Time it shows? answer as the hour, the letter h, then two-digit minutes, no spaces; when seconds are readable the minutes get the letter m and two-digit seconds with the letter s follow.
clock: 9h02
